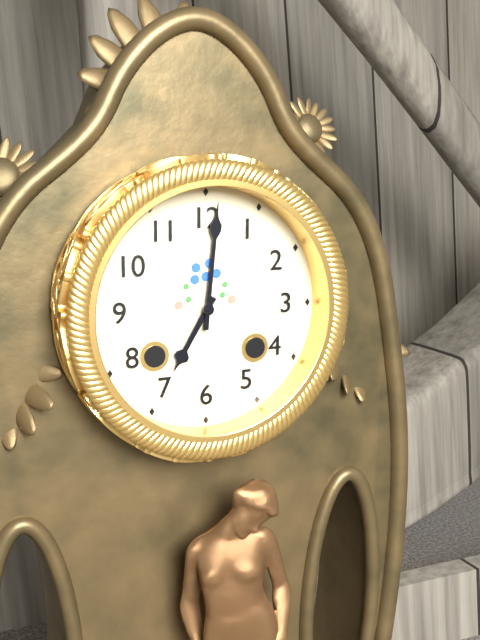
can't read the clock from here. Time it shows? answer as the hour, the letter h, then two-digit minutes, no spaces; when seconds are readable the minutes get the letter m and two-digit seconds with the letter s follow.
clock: 7h01
